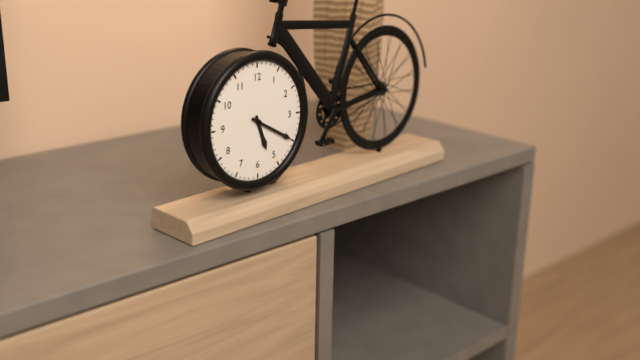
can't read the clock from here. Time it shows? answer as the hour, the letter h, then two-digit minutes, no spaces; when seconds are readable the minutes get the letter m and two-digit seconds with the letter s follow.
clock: 5h20
